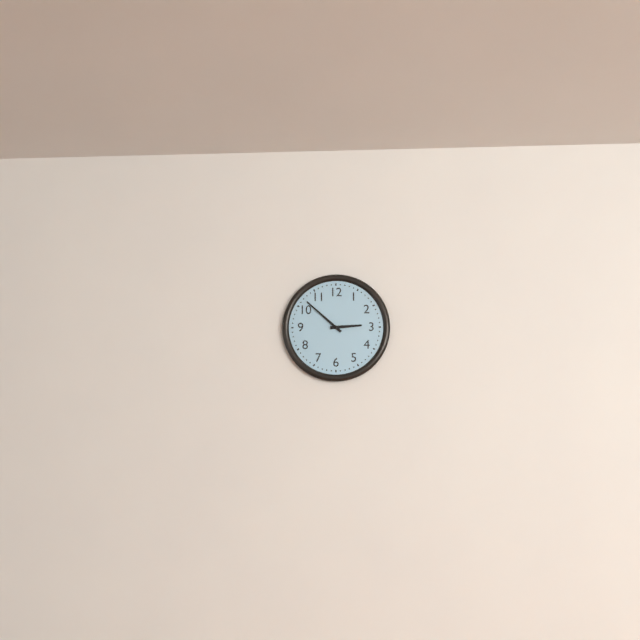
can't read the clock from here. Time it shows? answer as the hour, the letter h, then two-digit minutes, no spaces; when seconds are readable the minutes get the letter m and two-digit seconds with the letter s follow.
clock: 2h52
